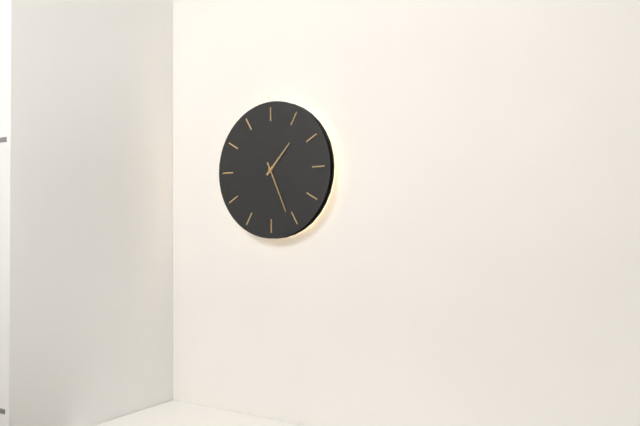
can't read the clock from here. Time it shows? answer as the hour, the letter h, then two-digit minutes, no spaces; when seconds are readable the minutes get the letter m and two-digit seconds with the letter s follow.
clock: 1h26
